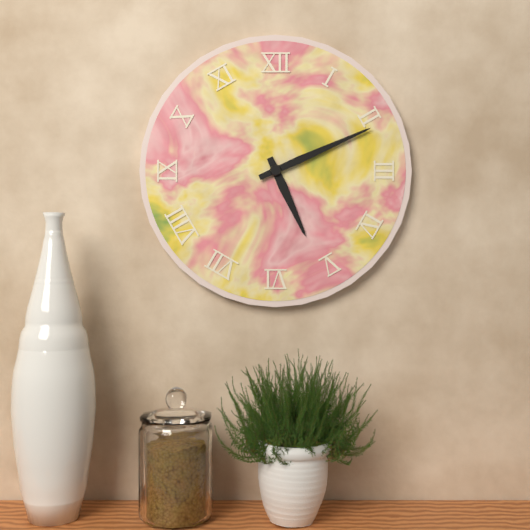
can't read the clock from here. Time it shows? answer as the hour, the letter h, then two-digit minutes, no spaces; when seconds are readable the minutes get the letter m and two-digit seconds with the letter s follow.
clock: 5h11
